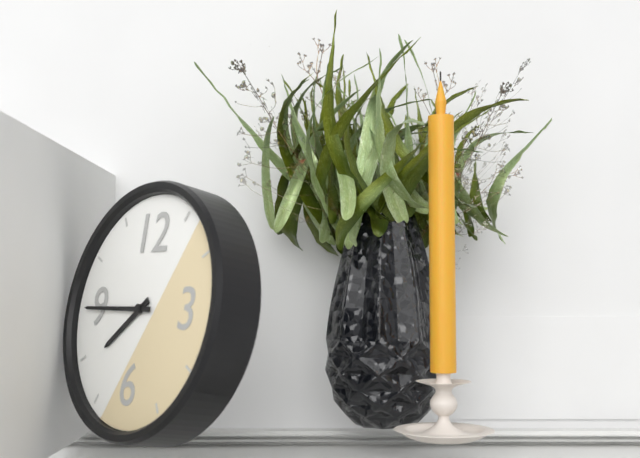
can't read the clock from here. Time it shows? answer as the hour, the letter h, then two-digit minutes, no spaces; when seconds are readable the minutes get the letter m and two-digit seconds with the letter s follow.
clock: 7h45
